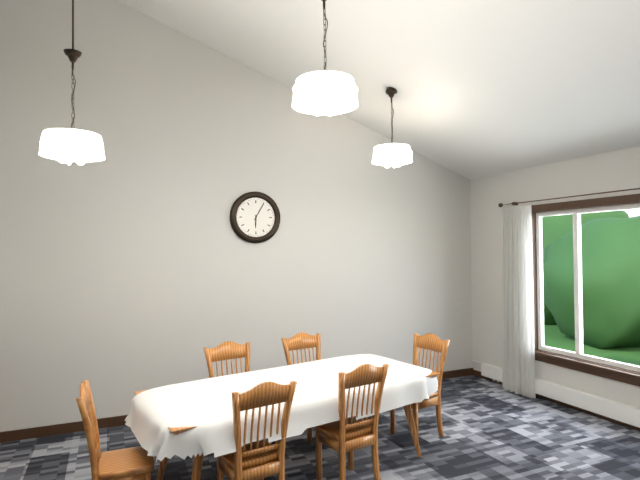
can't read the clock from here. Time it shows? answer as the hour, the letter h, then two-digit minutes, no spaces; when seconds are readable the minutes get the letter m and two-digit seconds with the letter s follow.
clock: 6h05
